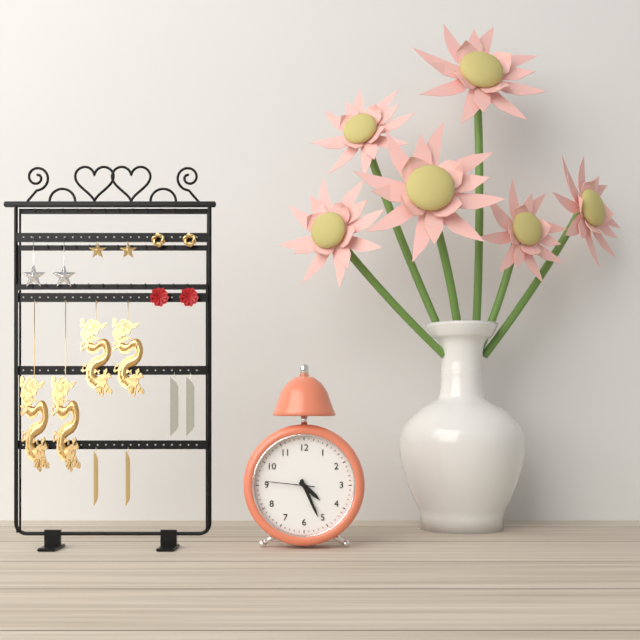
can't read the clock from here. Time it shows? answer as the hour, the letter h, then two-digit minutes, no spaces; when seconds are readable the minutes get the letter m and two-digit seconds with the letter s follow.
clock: 4h26
